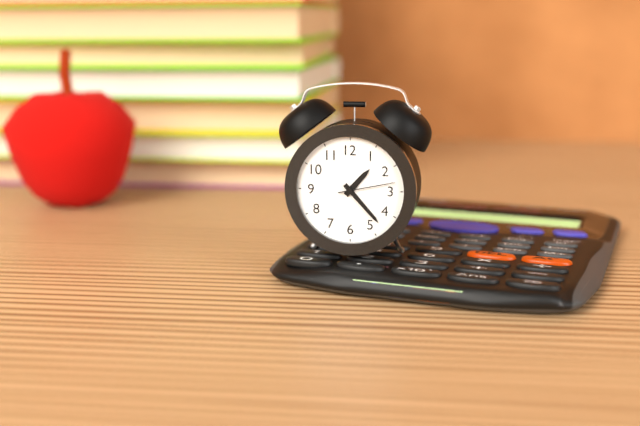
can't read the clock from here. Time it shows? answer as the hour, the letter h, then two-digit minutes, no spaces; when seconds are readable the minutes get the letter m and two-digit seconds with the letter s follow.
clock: 1h23m13s
